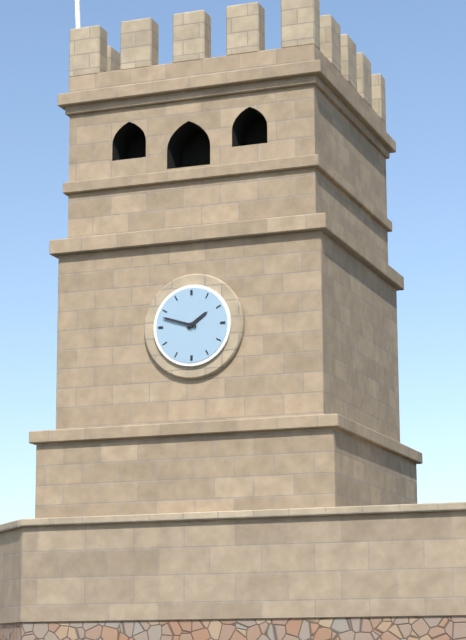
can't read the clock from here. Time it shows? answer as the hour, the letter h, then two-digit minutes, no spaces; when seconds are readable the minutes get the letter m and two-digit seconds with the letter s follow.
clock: 1h48
